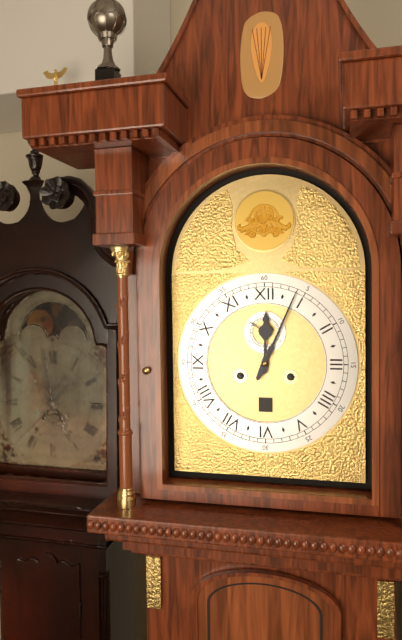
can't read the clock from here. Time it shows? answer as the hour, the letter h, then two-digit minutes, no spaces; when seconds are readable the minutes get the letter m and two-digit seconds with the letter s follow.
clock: 12h04
